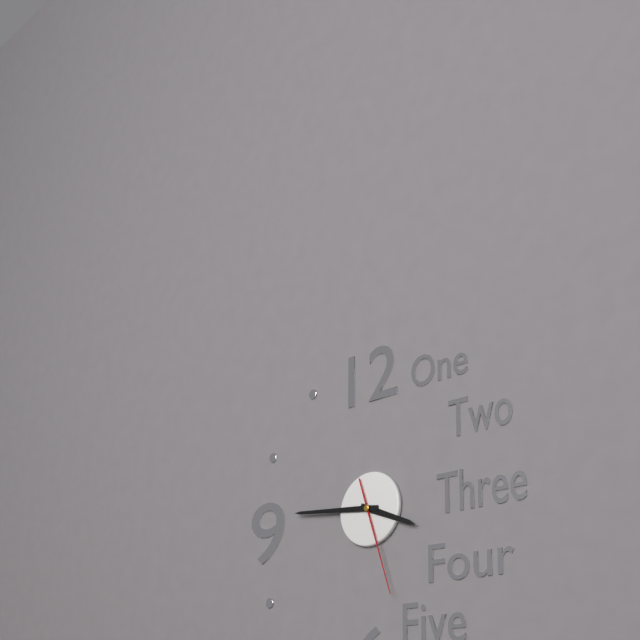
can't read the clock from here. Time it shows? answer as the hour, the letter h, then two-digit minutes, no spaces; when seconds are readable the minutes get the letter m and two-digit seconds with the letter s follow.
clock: 3h46m27s
